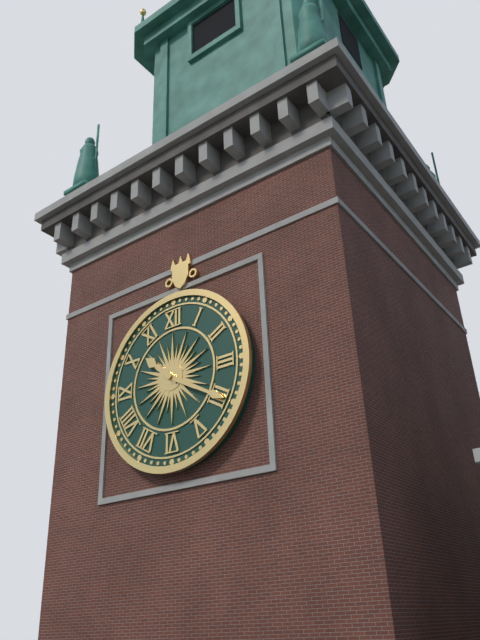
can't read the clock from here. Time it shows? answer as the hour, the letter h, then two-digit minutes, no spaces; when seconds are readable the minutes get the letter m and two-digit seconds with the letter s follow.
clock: 10h20
